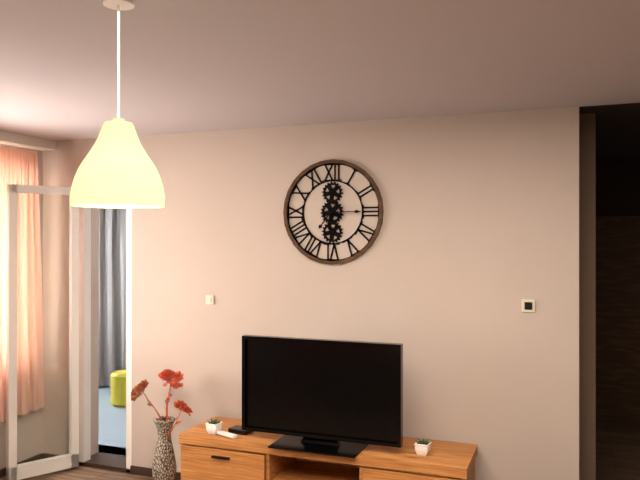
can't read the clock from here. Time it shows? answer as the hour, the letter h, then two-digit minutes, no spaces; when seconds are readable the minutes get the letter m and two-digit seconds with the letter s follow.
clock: 7h15
